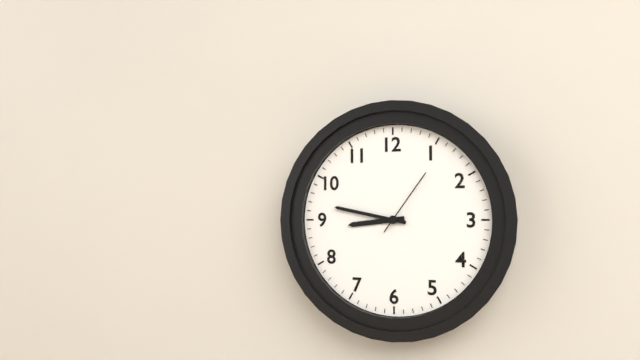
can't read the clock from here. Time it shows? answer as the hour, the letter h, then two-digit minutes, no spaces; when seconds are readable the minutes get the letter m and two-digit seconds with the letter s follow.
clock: 8h47m06s
